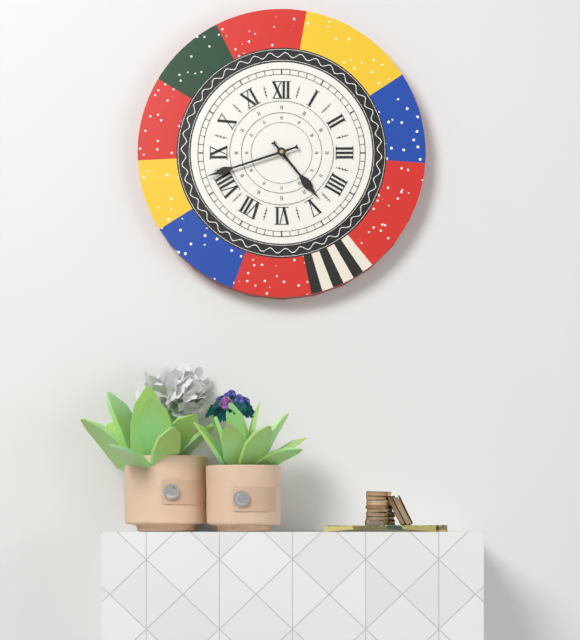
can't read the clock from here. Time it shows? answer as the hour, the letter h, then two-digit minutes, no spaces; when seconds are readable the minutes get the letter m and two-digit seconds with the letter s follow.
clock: 4h42
